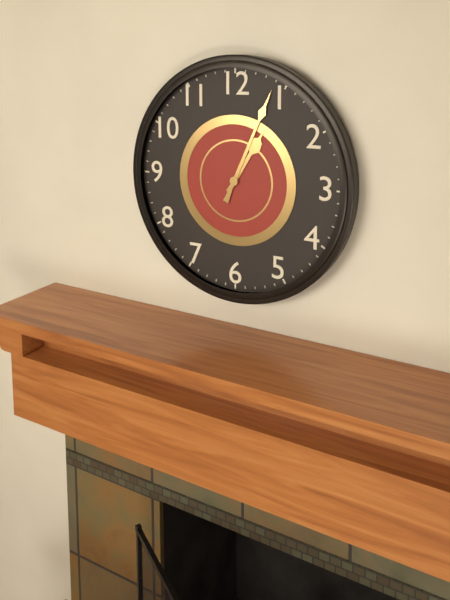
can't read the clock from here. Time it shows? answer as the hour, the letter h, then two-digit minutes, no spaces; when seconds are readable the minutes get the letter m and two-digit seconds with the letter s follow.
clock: 1h04
